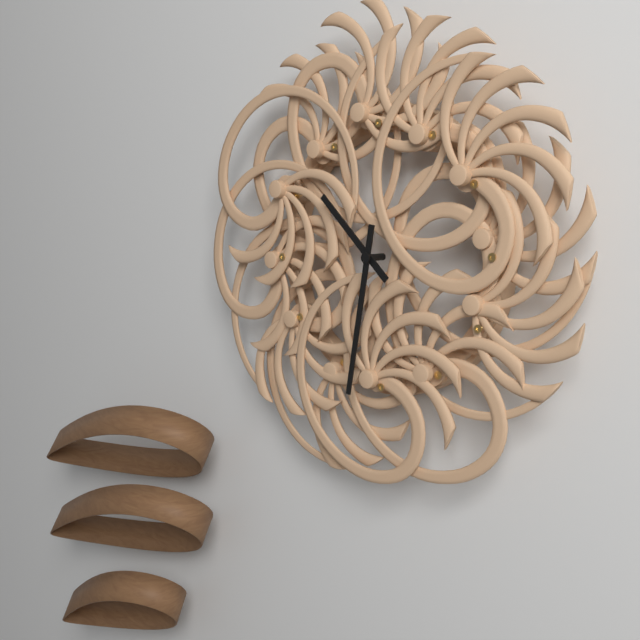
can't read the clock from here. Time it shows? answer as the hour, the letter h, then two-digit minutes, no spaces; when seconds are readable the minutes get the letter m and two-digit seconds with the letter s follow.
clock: 10h32
